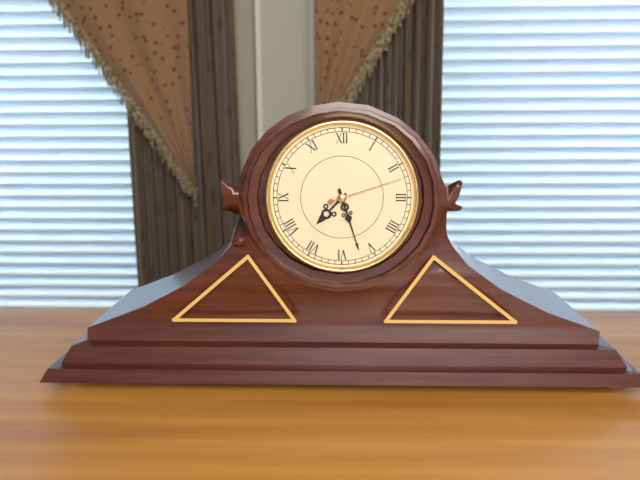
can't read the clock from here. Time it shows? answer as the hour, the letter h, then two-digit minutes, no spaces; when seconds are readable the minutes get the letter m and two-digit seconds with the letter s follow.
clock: 7h27m12s
